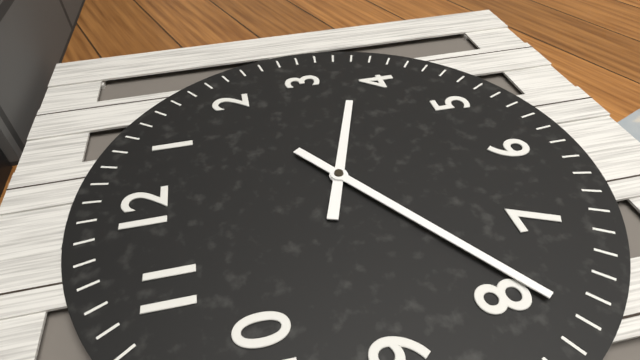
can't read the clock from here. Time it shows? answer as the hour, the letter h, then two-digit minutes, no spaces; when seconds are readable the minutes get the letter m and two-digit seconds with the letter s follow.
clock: 3h39
